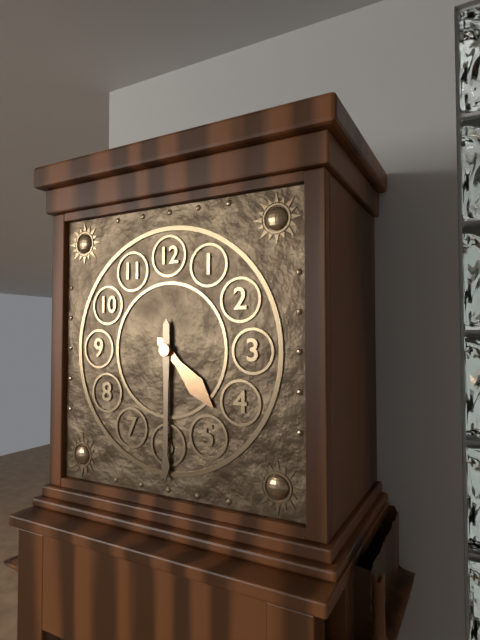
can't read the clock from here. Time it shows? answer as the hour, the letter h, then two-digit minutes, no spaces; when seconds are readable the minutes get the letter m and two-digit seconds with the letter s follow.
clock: 4h30
